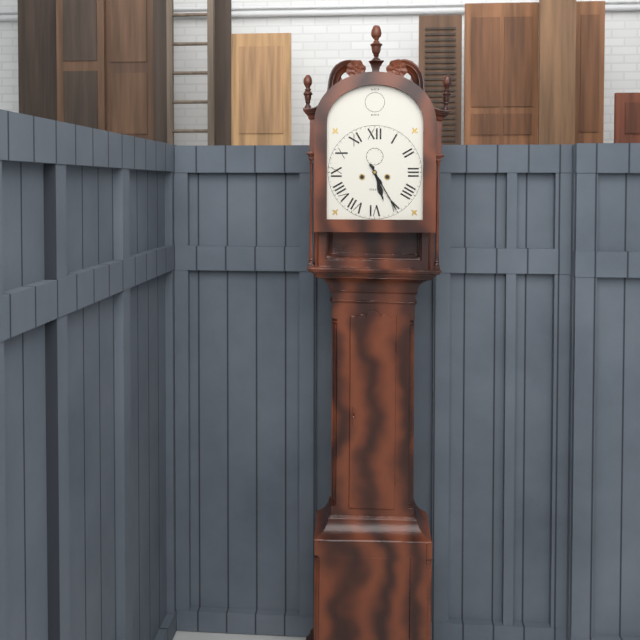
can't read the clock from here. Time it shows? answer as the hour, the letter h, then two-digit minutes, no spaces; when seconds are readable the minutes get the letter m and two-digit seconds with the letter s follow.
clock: 5h25
